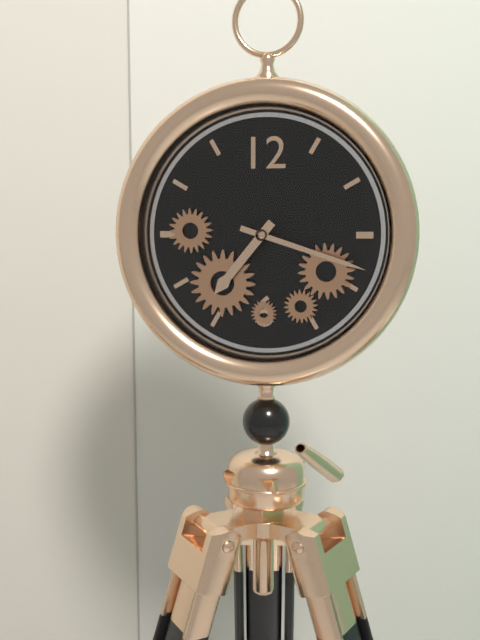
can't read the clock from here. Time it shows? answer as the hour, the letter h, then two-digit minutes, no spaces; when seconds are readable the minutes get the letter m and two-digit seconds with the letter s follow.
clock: 7h18
